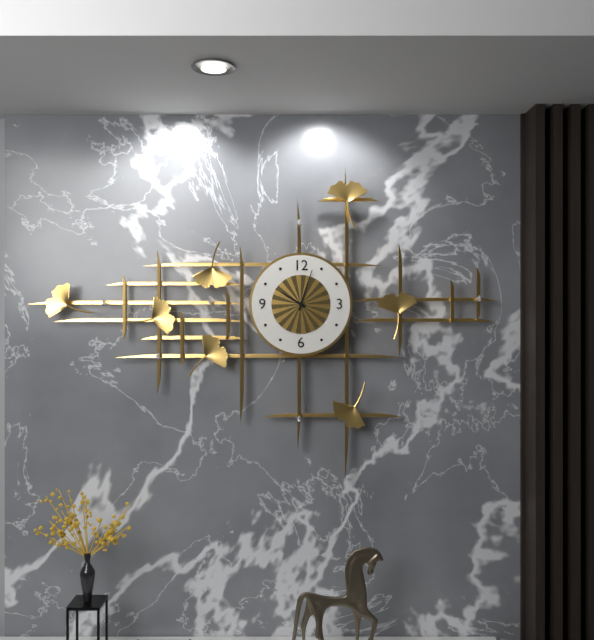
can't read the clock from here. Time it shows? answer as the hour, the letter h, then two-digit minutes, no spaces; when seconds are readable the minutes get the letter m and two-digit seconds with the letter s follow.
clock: 10h03
